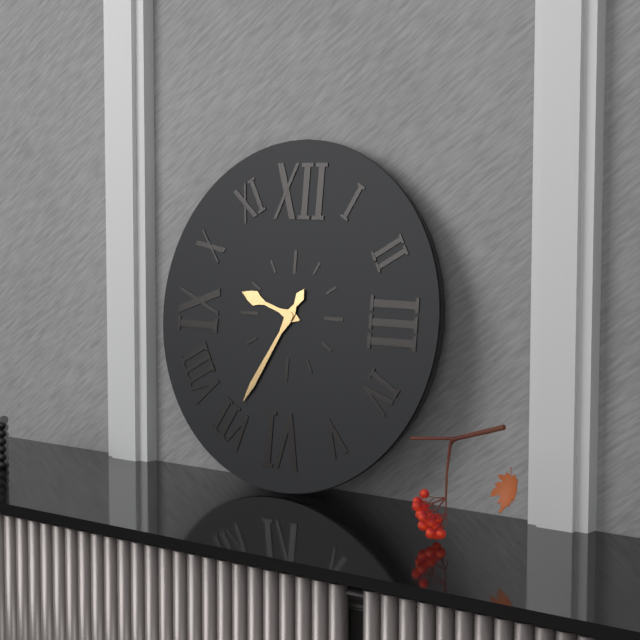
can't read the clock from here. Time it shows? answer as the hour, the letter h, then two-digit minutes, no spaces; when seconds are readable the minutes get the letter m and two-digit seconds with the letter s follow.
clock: 9h35
